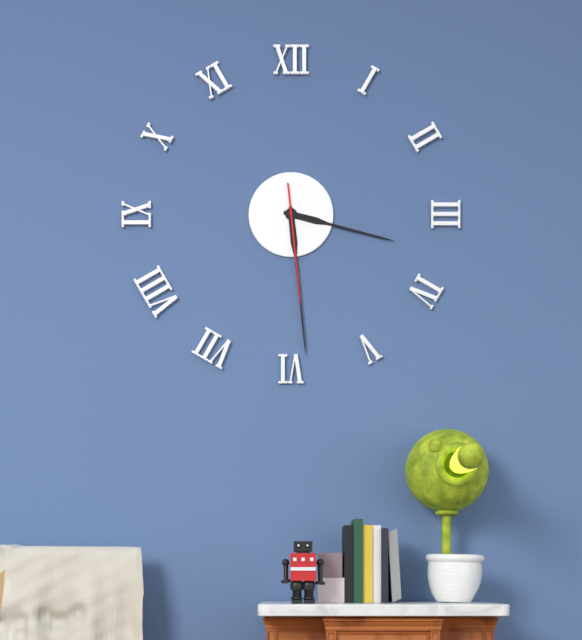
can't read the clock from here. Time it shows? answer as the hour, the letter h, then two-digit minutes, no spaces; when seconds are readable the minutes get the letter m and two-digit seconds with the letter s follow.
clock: 3h29m29s
